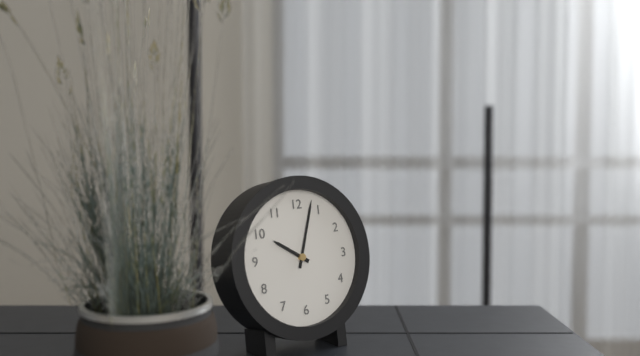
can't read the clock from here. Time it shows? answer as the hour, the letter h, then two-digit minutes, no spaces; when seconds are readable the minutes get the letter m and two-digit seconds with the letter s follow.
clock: 10h03
